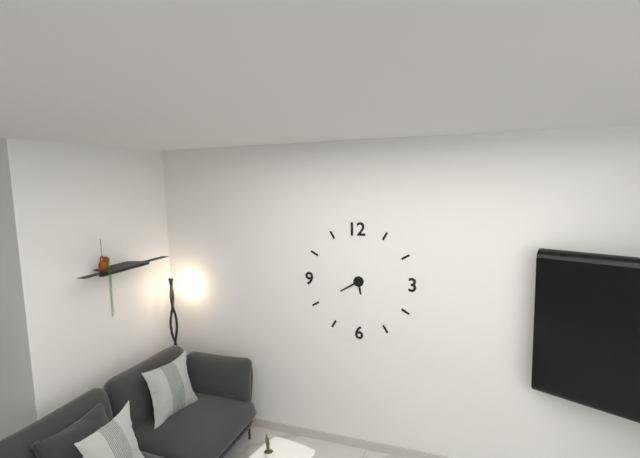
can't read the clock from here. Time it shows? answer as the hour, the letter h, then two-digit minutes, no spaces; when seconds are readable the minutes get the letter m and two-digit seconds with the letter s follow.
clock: 5h40
